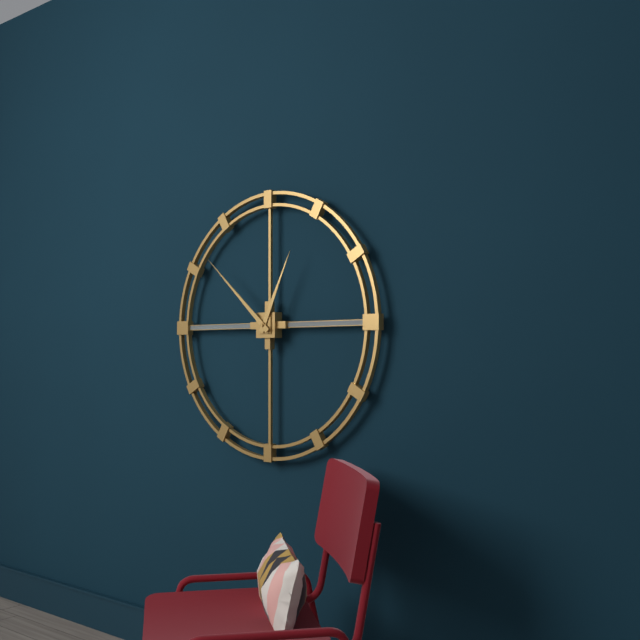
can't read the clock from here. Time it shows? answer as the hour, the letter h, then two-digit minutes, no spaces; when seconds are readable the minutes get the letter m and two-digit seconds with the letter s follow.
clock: 12h52
